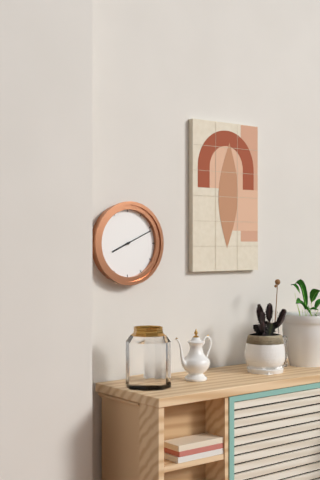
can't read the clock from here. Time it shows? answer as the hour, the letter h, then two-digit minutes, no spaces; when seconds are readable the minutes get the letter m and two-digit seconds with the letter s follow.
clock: 8h11
